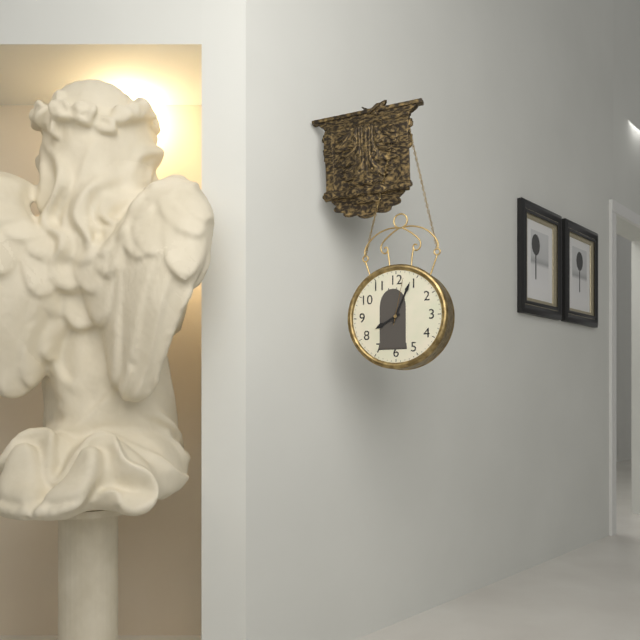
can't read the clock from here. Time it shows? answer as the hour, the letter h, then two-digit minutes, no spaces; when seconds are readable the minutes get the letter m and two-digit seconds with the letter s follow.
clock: 8h04
